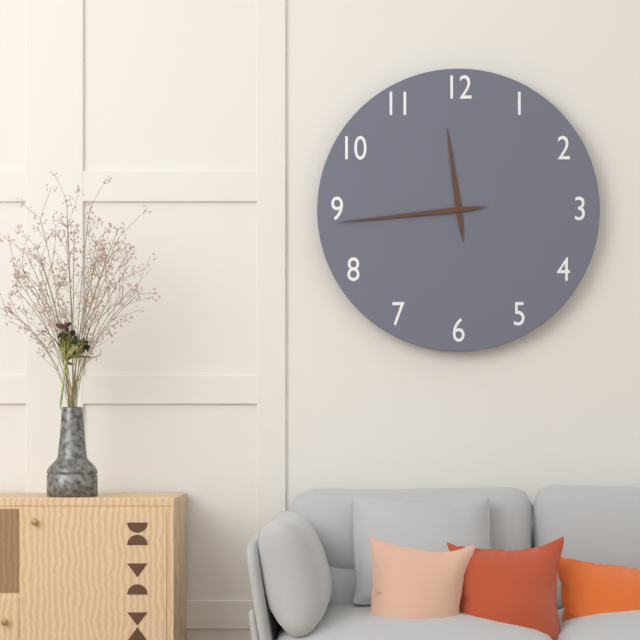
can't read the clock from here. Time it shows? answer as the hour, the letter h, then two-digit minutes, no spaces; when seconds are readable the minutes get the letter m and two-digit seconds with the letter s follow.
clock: 11h44
